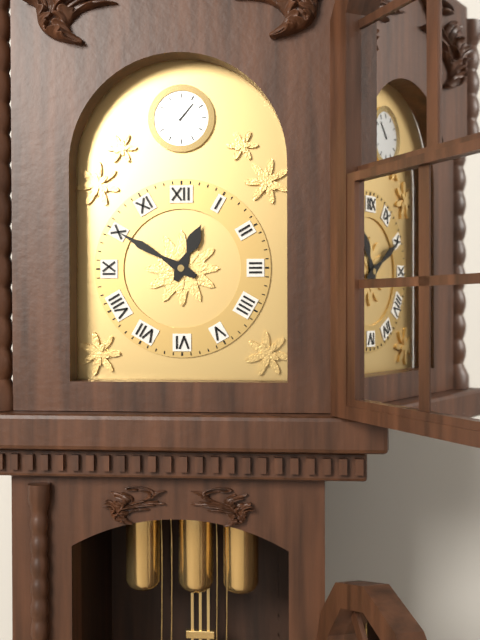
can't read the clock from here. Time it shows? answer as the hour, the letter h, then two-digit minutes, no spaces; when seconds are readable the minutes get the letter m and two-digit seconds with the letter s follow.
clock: 12h50
